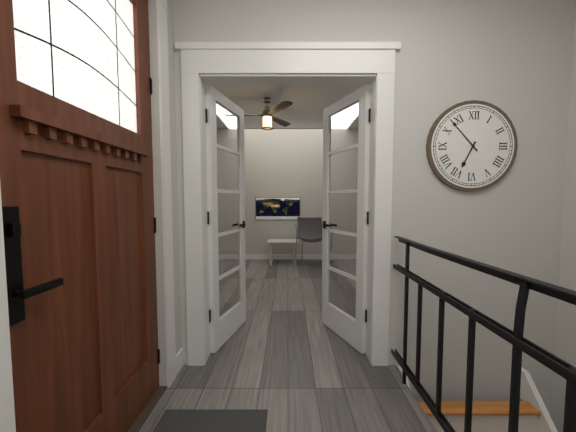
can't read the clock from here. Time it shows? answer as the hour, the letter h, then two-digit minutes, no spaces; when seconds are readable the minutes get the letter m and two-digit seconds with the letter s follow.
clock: 6h53
